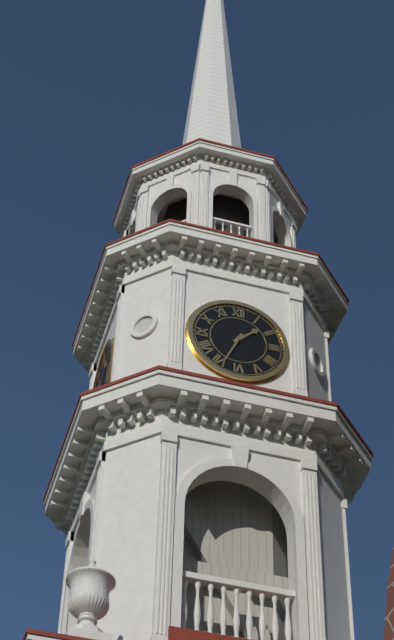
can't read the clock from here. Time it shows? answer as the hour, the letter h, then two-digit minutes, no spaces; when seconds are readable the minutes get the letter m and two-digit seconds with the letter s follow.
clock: 1h34
